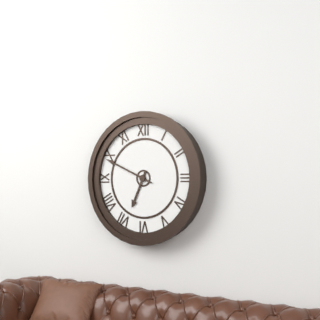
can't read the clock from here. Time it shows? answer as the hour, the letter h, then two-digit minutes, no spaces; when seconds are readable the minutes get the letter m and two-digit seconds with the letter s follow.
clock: 6h49
